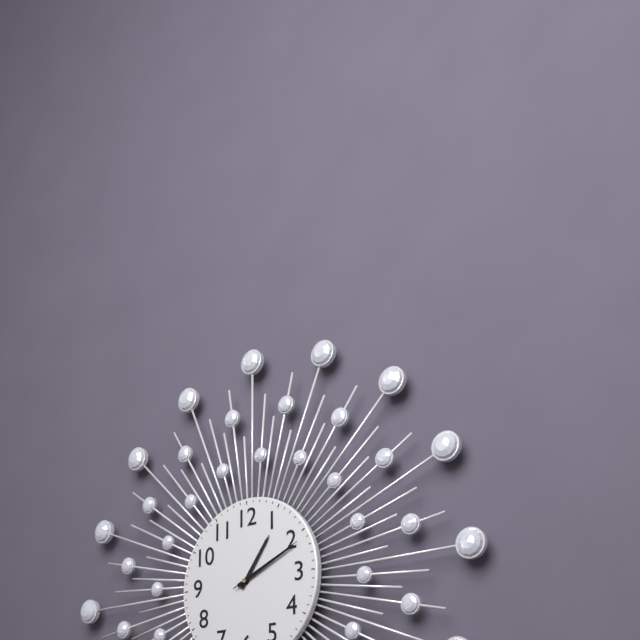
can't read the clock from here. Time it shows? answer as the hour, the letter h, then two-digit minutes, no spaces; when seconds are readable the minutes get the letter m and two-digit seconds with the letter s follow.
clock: 1h11m11s
